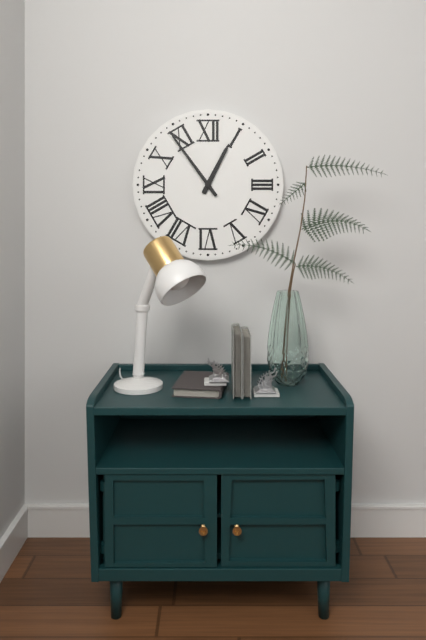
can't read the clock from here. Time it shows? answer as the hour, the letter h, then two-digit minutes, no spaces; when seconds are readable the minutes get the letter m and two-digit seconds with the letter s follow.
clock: 12h54
